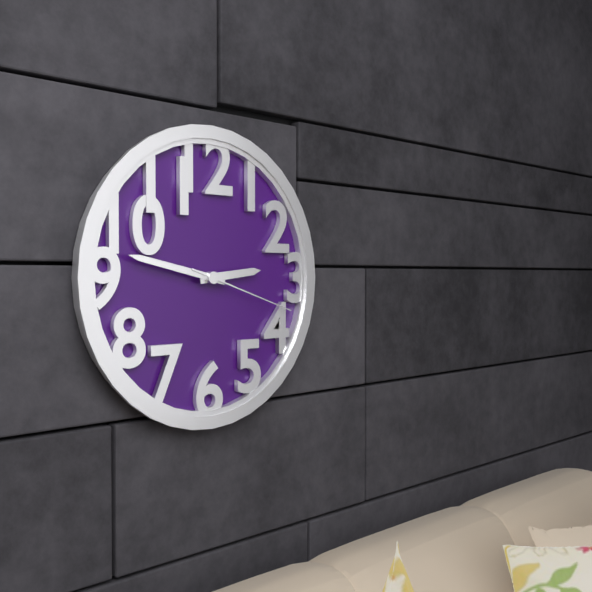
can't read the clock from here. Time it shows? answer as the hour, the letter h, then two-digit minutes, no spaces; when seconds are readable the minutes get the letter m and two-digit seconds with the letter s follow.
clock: 2h47m18s
